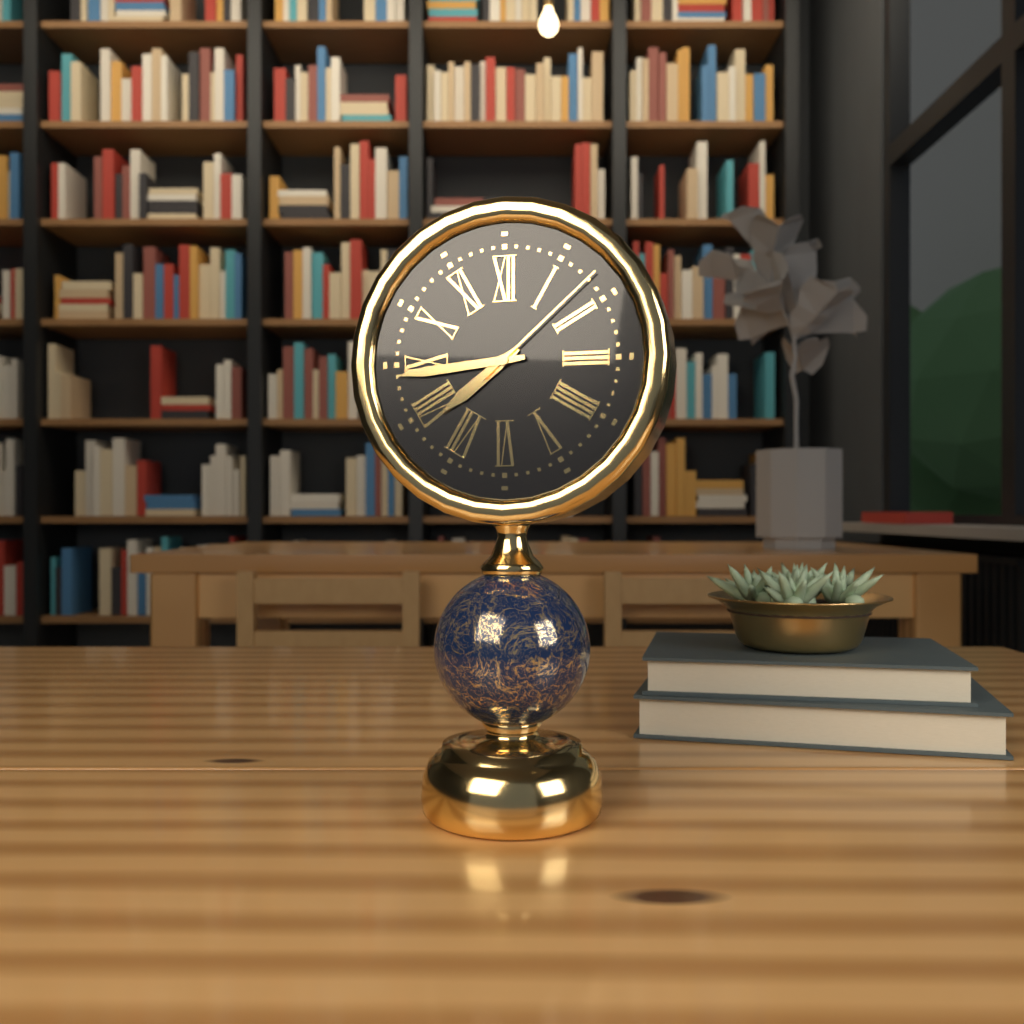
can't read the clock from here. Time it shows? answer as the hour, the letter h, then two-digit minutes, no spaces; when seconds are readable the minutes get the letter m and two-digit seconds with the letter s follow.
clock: 7h44m08s
